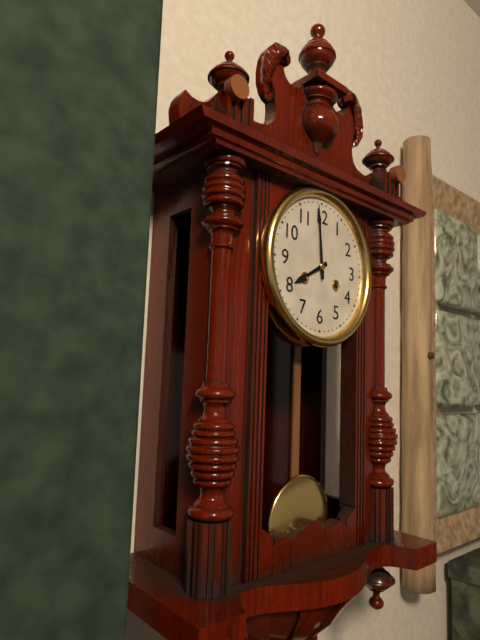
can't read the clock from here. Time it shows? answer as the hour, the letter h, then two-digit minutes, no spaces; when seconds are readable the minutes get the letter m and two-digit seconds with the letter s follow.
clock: 7h59
